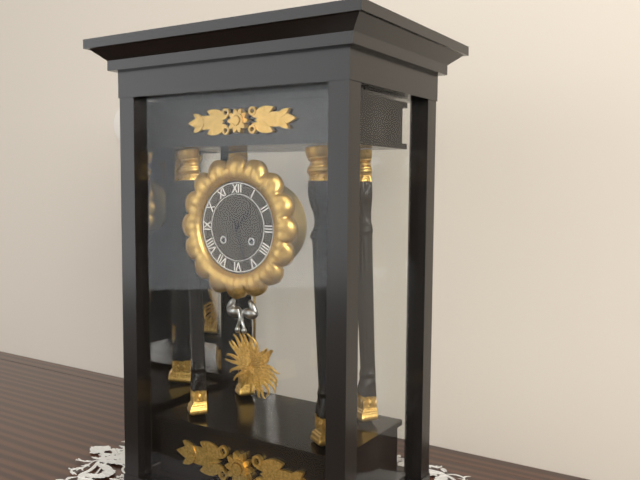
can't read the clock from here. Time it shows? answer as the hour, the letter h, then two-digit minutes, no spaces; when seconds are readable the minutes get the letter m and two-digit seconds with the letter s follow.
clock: 1h27
